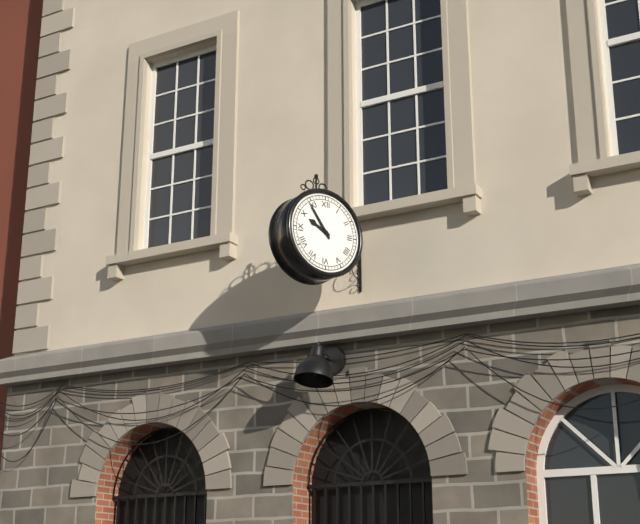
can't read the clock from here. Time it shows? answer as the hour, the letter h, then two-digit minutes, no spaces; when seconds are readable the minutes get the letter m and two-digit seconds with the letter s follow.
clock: 9h54
